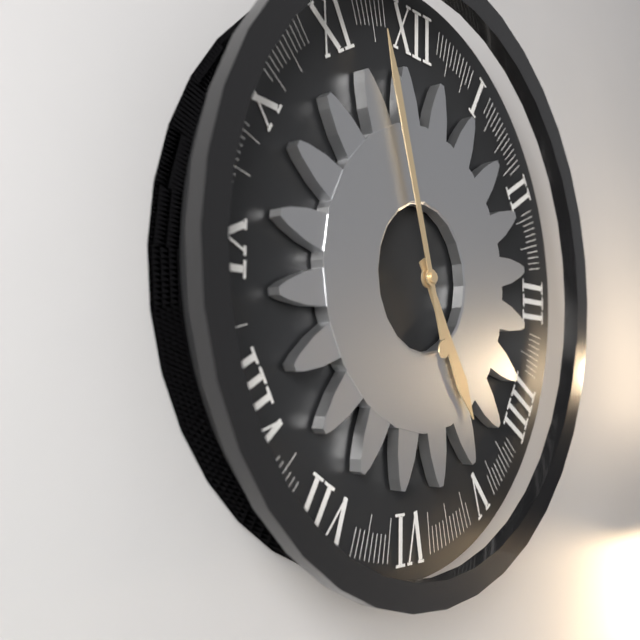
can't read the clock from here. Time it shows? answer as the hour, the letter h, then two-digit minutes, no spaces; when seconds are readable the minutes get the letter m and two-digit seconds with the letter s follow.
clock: 4h57
